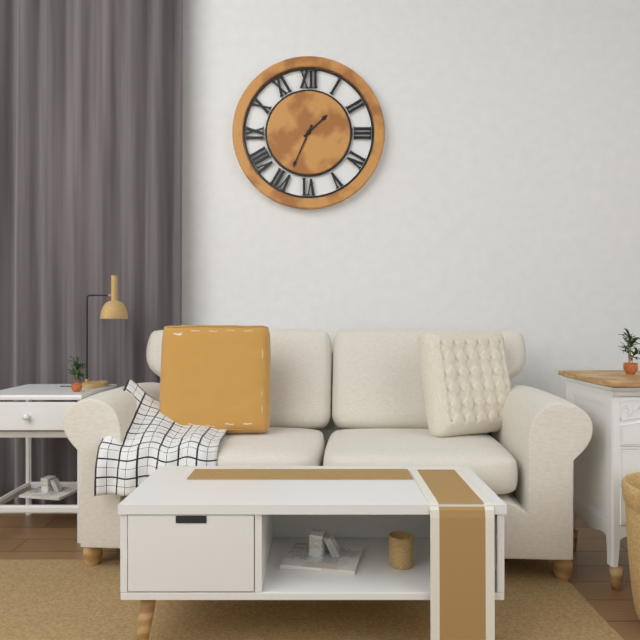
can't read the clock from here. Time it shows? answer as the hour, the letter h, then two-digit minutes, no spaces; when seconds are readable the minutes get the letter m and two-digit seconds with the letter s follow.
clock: 1h34
